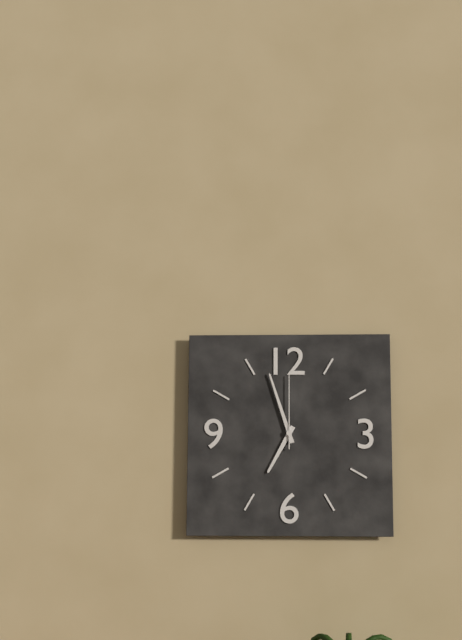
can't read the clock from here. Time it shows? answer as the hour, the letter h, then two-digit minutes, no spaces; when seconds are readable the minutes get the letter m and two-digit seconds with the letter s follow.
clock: 6h57m00s
